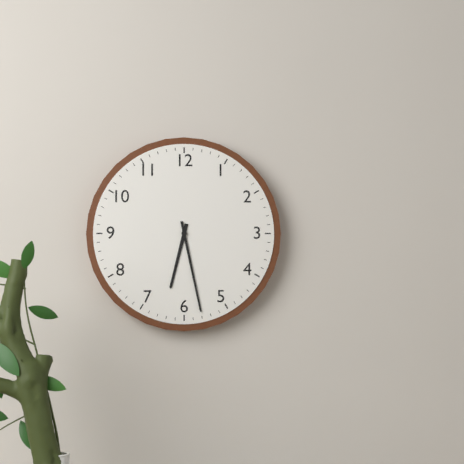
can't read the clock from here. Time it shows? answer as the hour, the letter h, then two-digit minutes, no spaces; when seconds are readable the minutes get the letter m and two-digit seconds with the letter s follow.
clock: 6h28
